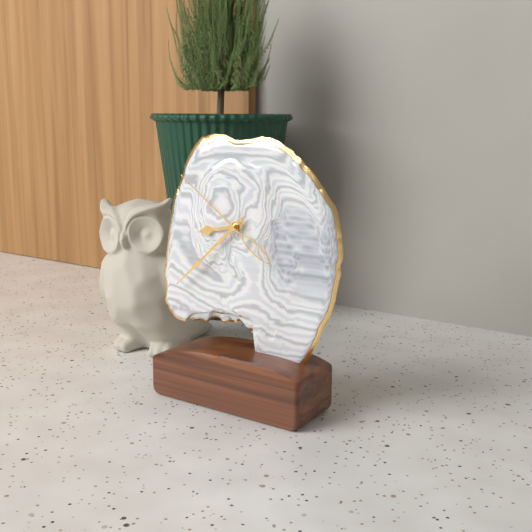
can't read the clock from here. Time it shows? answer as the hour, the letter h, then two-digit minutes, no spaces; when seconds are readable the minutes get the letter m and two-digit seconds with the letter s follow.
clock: 8h38m51s
